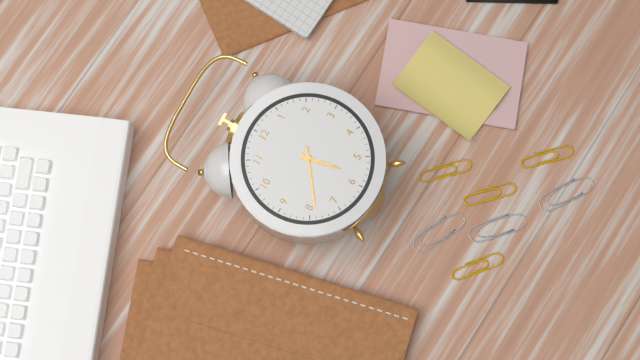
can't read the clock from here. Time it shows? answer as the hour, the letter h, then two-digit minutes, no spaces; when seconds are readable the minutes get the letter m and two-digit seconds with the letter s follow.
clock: 5h39
